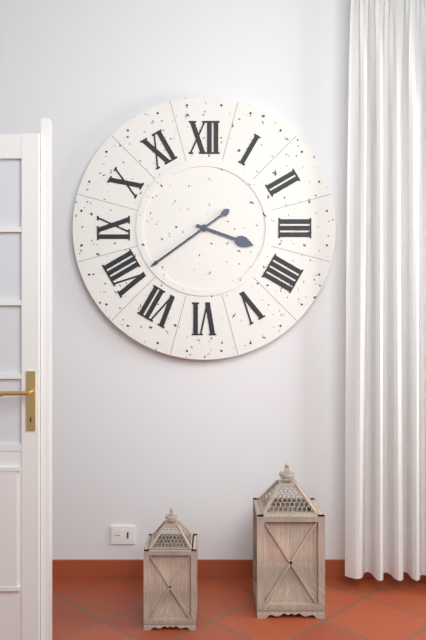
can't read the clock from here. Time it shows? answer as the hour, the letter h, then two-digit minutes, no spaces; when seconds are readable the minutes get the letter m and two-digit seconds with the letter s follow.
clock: 3h39
